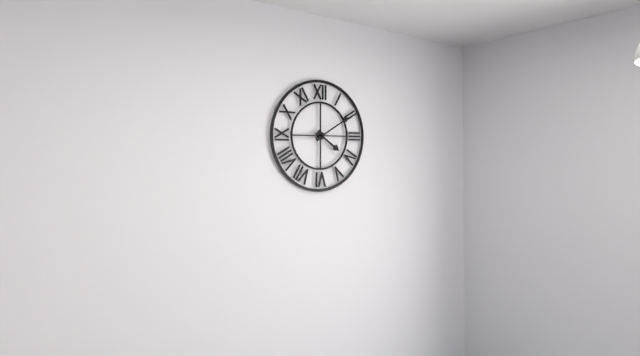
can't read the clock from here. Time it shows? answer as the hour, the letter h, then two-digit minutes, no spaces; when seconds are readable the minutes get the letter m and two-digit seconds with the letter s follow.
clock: 4h10
